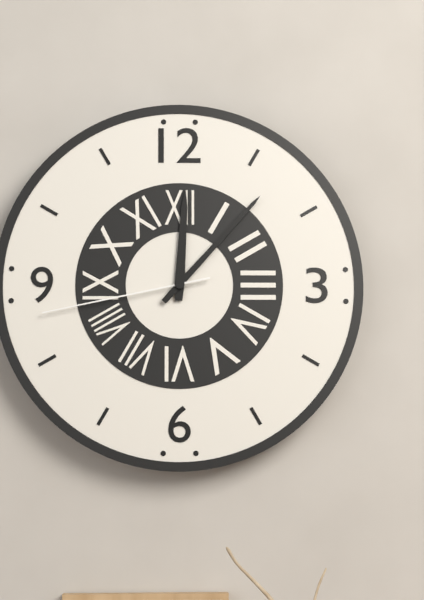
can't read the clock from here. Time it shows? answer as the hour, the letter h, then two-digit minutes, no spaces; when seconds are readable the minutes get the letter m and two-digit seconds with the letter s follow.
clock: 12h07m43s
